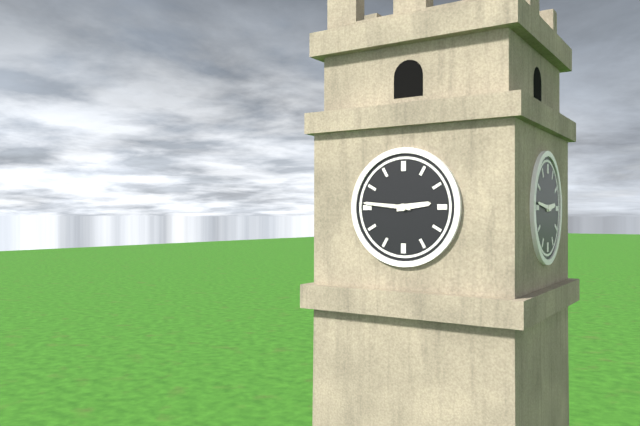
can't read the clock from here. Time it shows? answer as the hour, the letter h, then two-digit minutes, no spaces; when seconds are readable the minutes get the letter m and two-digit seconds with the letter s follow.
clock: 2h46
